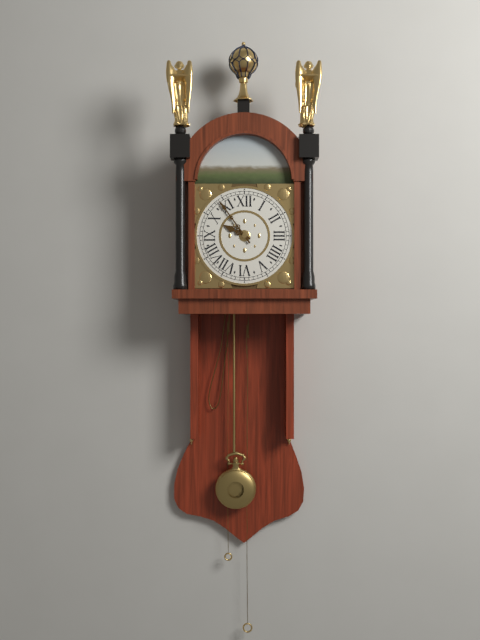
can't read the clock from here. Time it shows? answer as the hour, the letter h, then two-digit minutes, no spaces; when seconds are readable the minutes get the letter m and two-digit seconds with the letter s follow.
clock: 9h54
